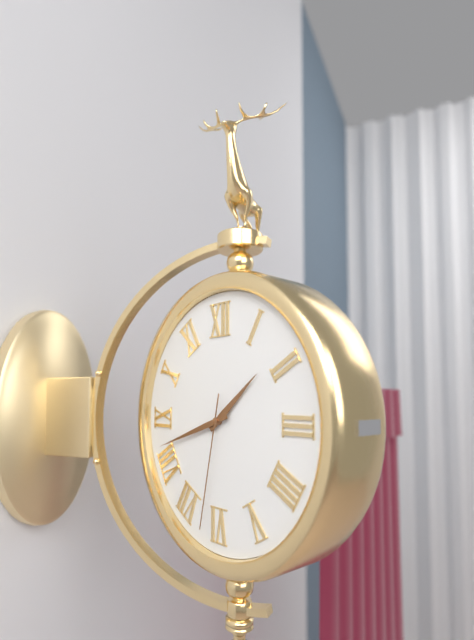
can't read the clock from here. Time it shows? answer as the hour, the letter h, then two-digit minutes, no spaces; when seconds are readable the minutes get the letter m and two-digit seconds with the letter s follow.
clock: 1h42m32s
